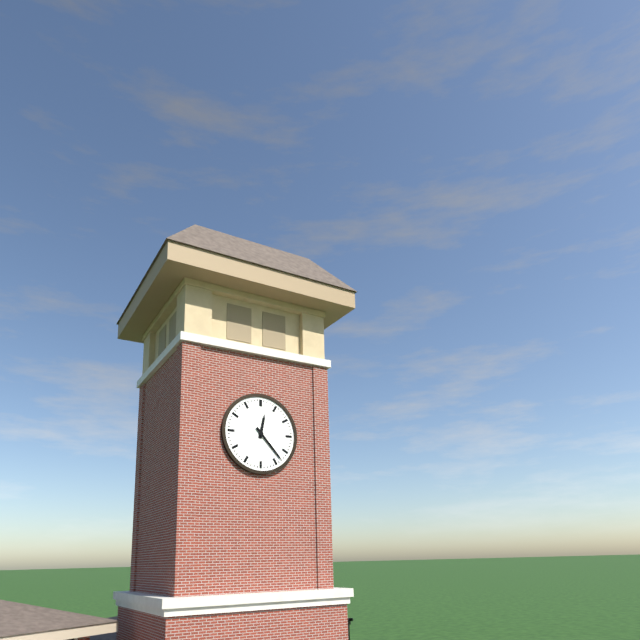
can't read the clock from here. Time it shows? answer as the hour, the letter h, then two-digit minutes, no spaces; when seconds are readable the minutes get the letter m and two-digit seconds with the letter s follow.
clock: 12h23
